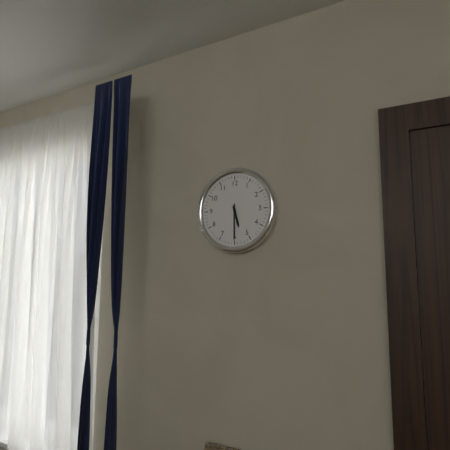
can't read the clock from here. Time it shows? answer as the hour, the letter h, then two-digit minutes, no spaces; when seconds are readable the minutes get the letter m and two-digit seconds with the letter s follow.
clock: 5h30
